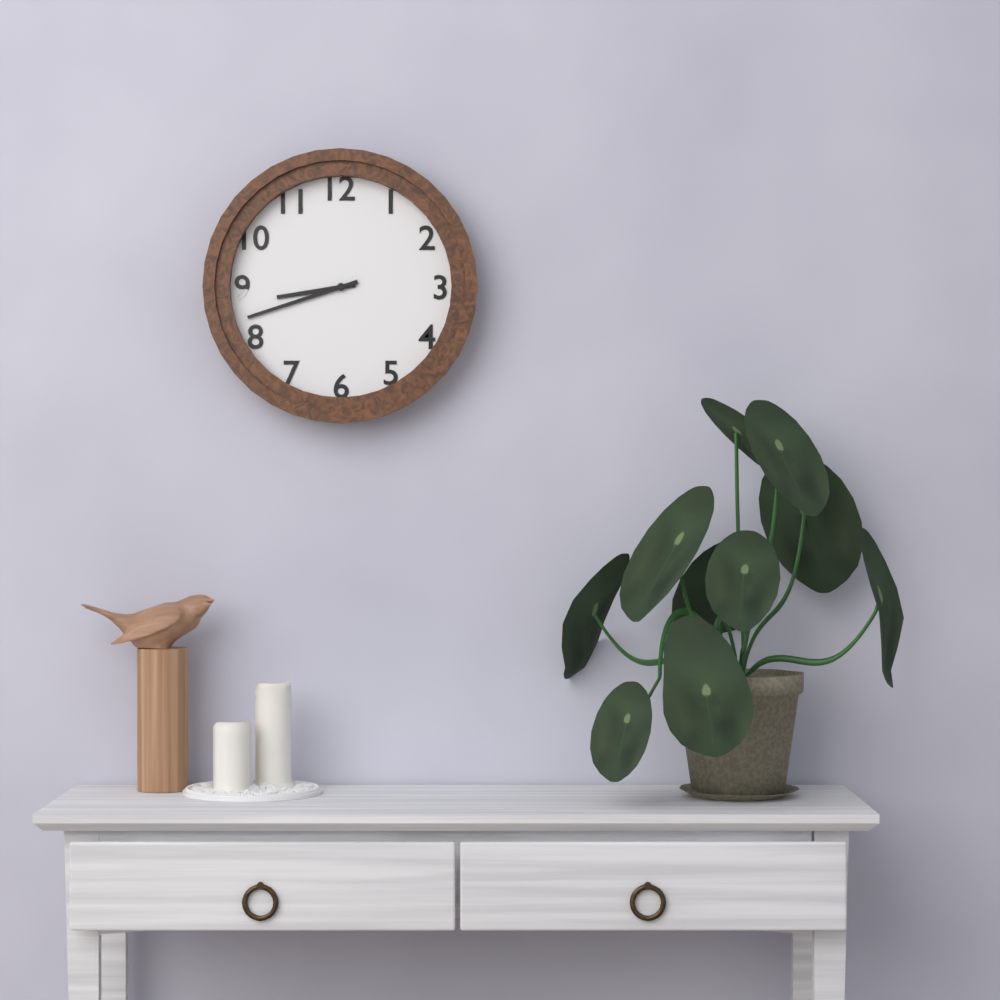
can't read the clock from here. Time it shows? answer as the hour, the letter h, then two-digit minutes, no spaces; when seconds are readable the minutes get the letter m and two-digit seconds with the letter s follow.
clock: 8h42
